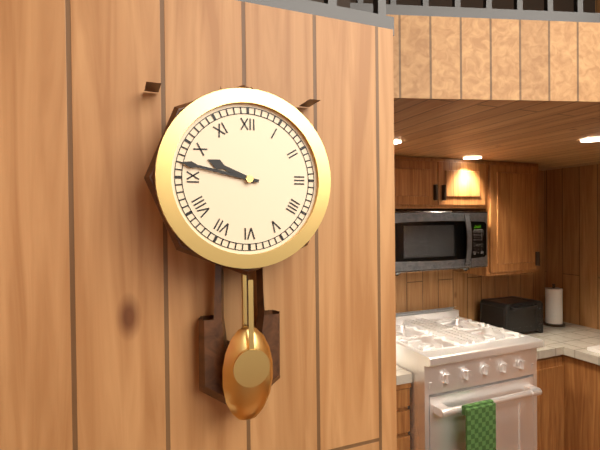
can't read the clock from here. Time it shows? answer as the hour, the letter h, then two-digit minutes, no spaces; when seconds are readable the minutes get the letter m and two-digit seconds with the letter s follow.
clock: 9h47
